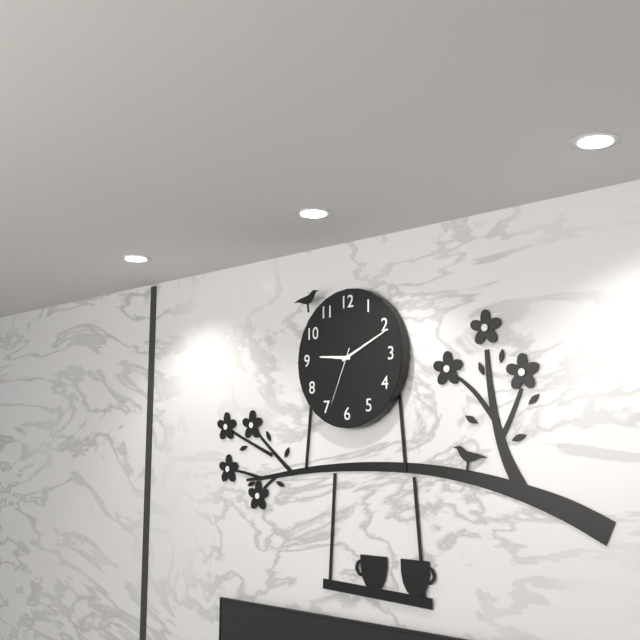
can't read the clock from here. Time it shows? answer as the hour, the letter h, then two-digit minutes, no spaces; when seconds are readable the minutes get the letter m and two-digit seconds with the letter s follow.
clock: 9h11m34s
